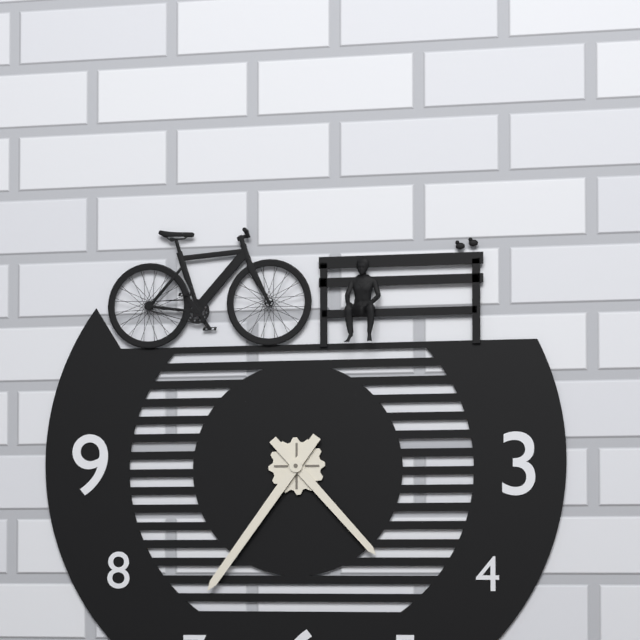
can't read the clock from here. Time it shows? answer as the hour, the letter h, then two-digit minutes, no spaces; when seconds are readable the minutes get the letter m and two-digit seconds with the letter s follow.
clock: 4h36
